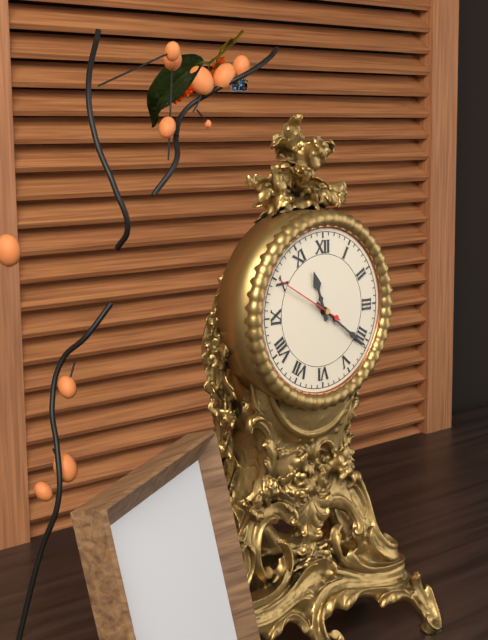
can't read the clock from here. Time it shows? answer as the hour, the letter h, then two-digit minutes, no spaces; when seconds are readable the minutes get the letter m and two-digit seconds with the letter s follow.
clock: 11h21m50s
